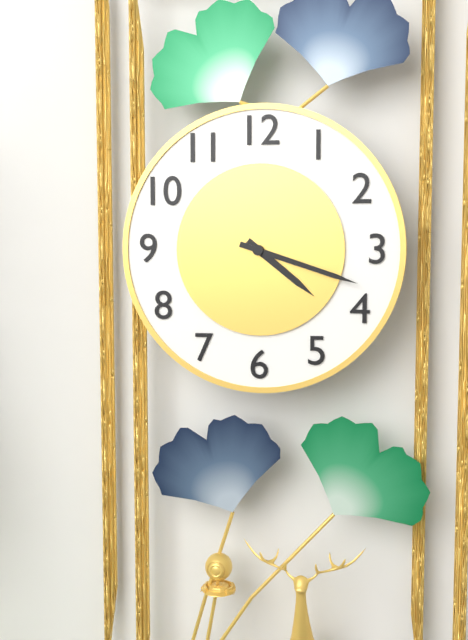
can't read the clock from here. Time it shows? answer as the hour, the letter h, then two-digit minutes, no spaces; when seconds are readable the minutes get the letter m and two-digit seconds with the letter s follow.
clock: 4h18
